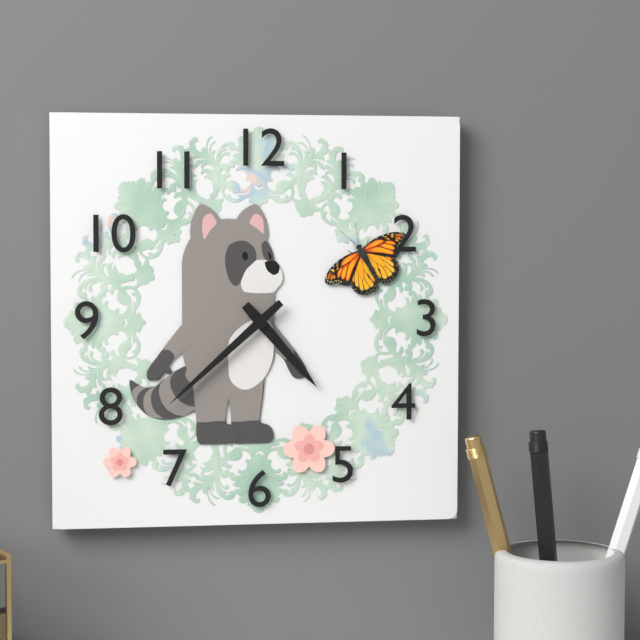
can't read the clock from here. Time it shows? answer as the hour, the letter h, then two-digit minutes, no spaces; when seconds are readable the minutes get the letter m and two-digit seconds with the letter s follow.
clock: 4h38
